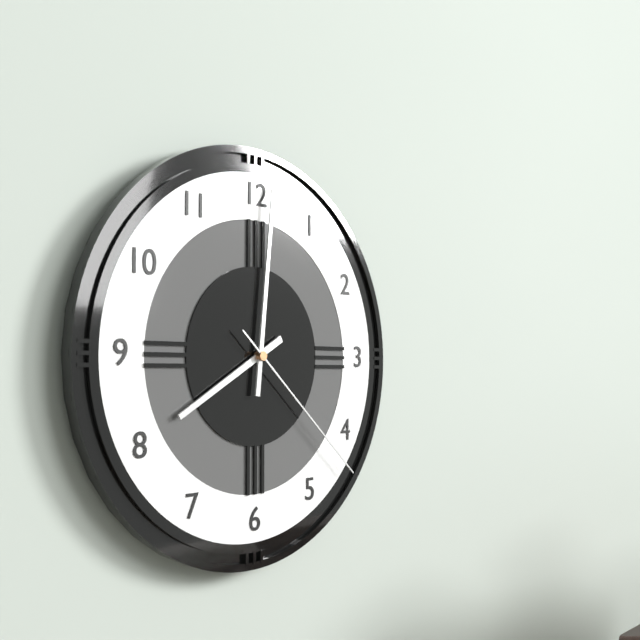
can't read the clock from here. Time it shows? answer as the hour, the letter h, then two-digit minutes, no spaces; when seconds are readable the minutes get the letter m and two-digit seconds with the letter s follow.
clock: 8h01m22s
